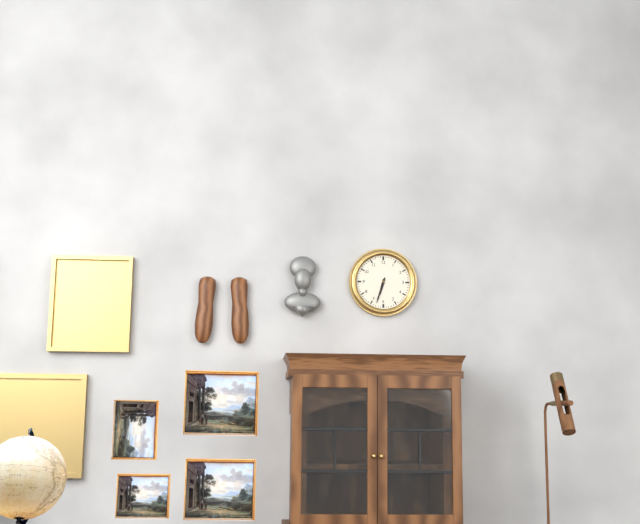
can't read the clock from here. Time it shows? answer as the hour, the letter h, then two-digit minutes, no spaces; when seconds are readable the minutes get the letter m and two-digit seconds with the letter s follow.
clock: 6h33
